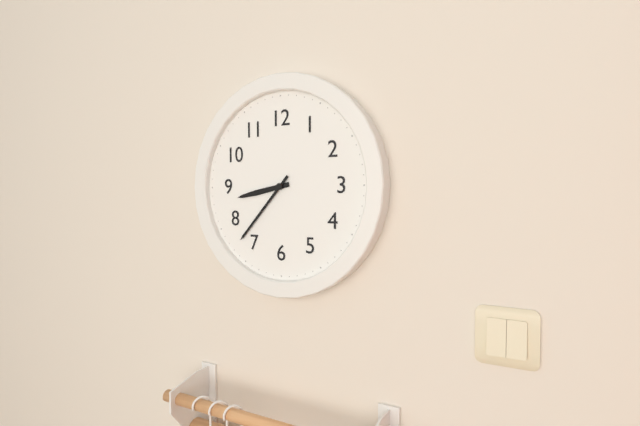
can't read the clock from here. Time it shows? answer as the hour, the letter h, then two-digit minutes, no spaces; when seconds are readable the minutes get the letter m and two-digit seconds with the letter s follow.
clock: 8h37
